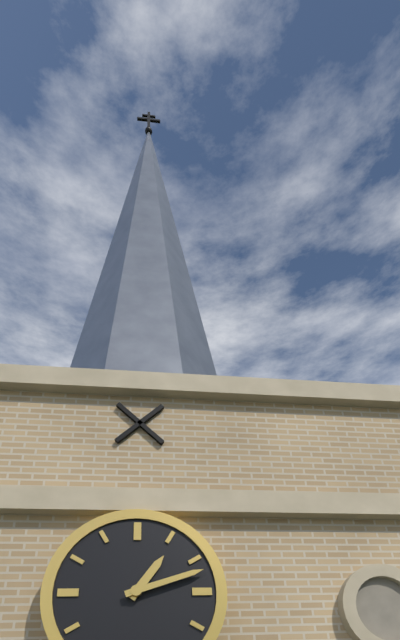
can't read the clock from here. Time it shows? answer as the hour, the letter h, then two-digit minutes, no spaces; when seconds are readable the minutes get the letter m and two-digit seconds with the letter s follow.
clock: 1h12
